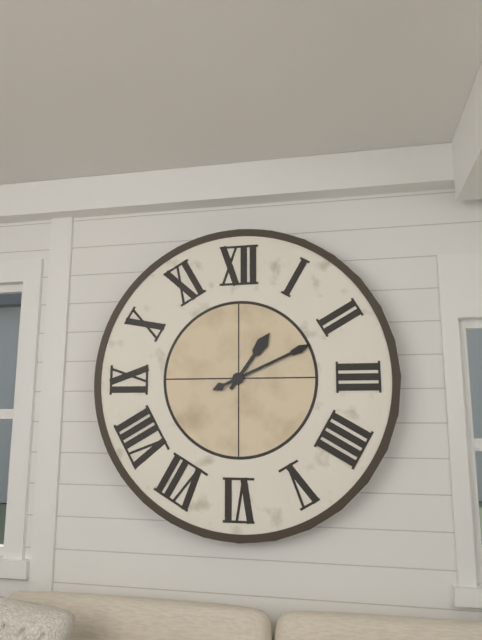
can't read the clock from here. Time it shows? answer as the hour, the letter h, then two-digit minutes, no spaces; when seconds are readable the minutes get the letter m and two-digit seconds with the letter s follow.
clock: 1h11
